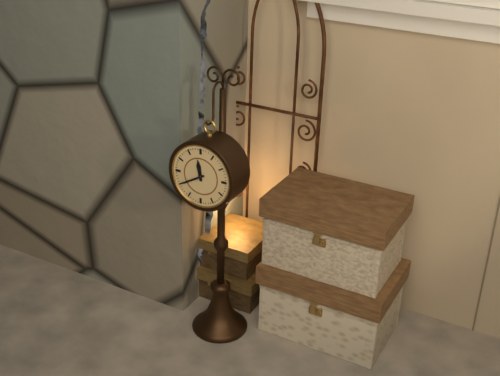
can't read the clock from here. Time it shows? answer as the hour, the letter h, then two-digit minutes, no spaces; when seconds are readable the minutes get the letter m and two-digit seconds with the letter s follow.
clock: 11h40
